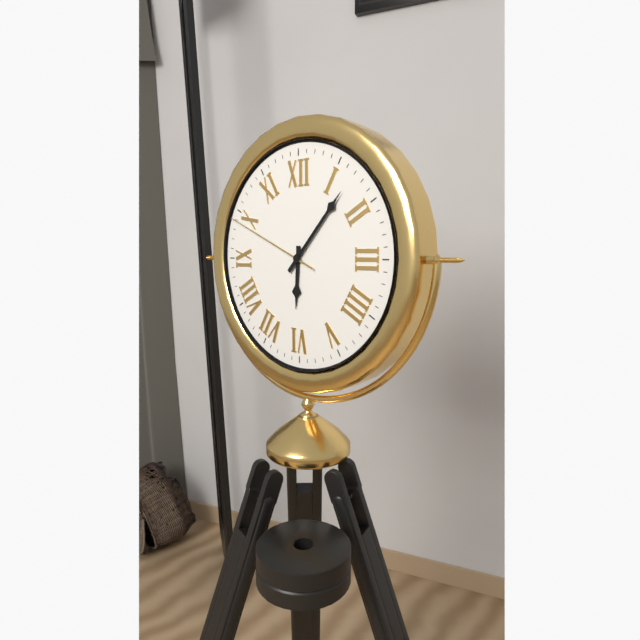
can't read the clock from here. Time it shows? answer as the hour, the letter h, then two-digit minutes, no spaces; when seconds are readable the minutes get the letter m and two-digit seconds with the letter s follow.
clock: 6h07m49s
